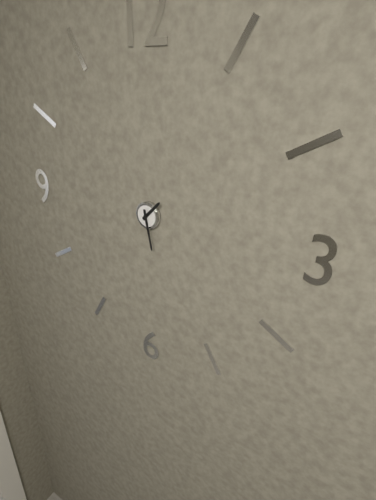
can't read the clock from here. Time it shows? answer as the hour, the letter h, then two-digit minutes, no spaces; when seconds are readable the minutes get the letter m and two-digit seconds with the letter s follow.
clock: 1h28
